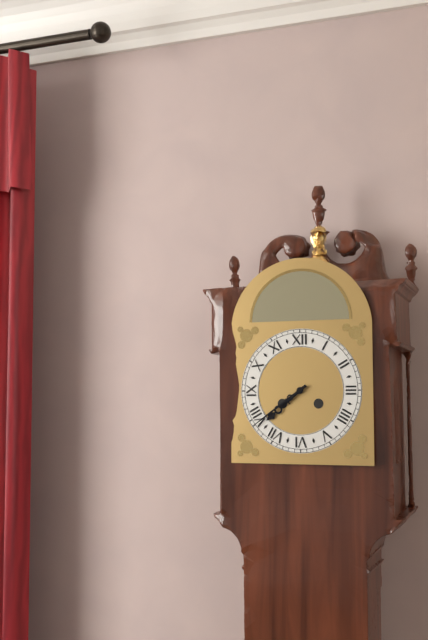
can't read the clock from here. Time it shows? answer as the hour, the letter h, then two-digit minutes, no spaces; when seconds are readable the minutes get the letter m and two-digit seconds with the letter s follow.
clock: 7h39
